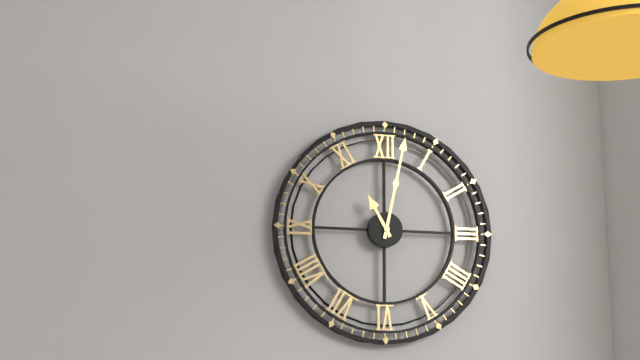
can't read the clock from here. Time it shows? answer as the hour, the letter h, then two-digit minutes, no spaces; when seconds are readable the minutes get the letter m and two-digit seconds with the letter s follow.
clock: 11h02
